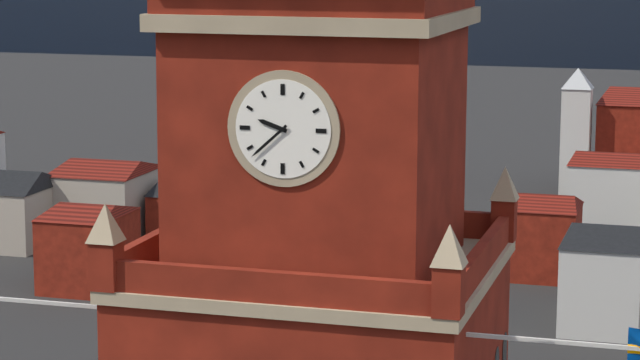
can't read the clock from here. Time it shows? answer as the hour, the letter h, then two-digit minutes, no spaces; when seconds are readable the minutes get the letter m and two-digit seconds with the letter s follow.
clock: 9h38
